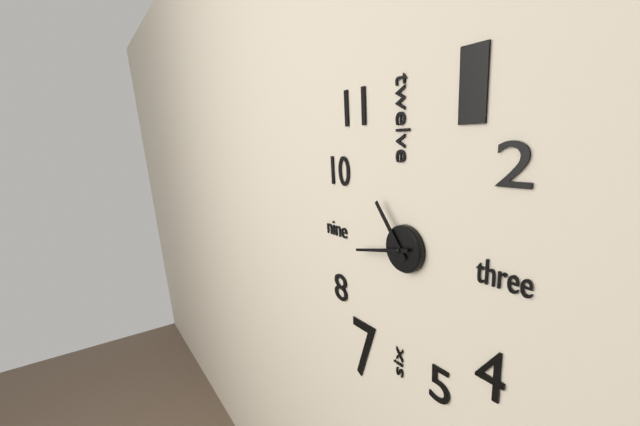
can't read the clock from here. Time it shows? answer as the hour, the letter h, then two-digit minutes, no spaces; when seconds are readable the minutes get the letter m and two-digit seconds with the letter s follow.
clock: 10h43
